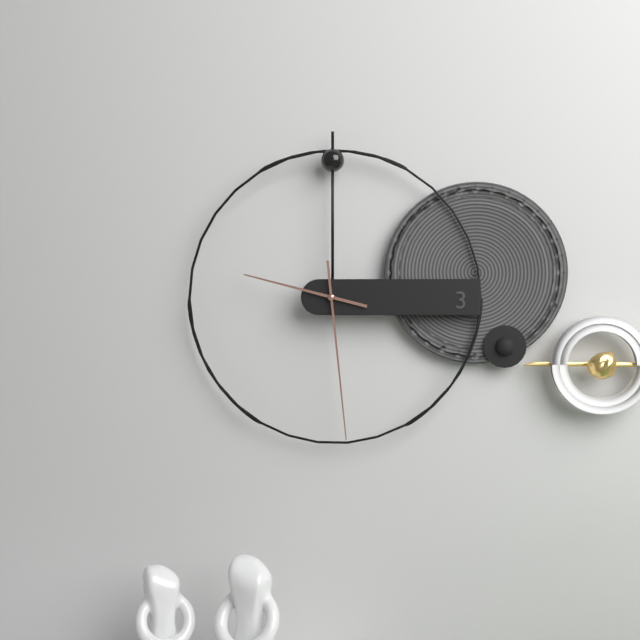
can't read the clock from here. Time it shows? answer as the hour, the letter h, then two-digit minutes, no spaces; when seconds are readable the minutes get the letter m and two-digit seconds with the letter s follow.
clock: 9h29
